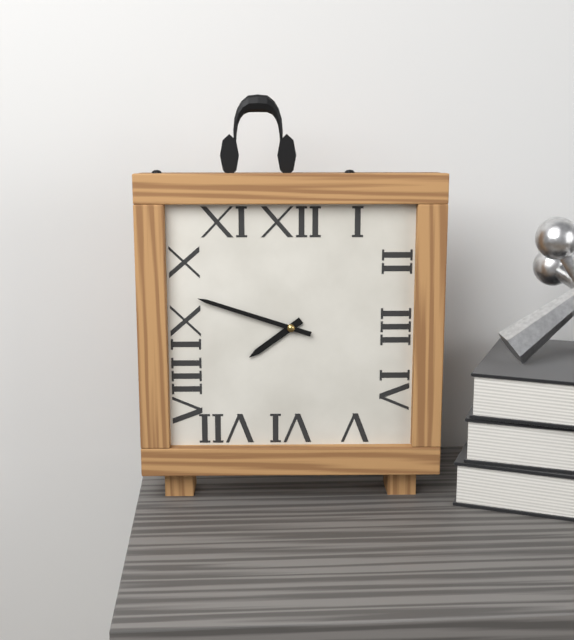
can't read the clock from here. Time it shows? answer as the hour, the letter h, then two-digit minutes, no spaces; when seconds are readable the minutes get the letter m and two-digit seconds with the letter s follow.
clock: 7h48
